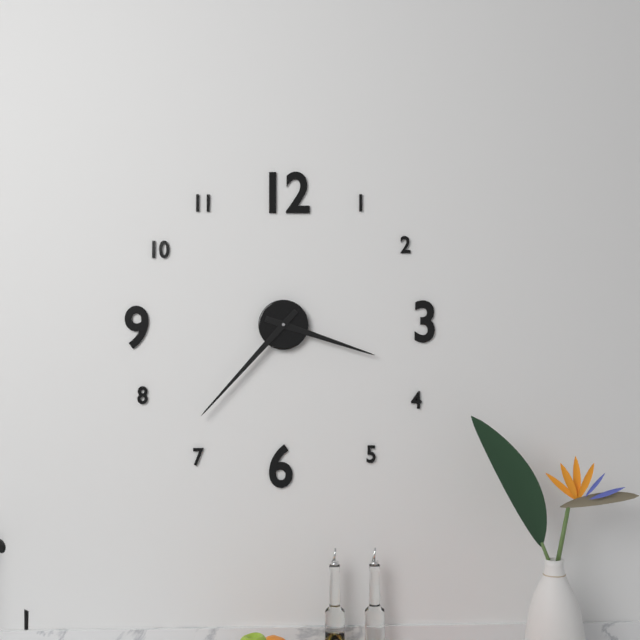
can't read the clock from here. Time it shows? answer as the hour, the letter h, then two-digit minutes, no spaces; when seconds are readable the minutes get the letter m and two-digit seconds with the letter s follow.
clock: 3h37
